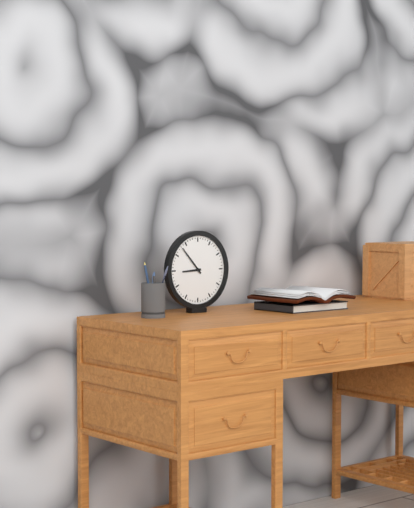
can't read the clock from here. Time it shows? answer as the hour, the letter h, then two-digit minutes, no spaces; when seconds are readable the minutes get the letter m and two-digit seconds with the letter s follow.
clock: 8h53
